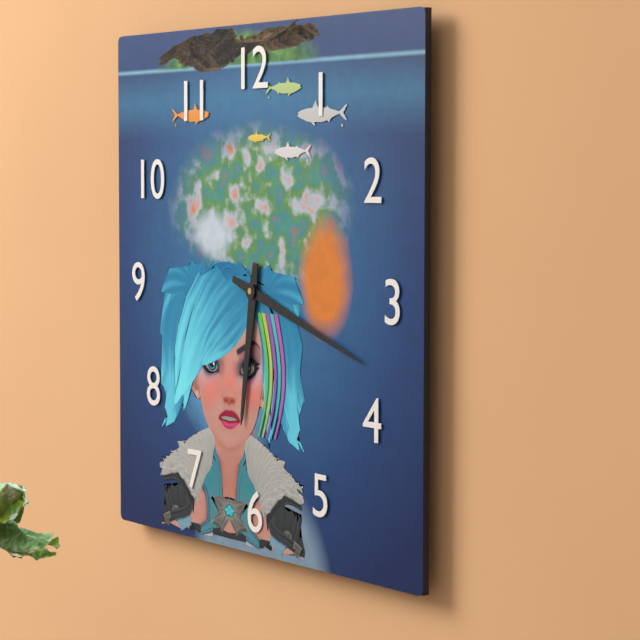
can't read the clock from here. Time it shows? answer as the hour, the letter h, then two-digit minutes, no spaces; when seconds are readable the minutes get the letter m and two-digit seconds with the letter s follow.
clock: 6h18
